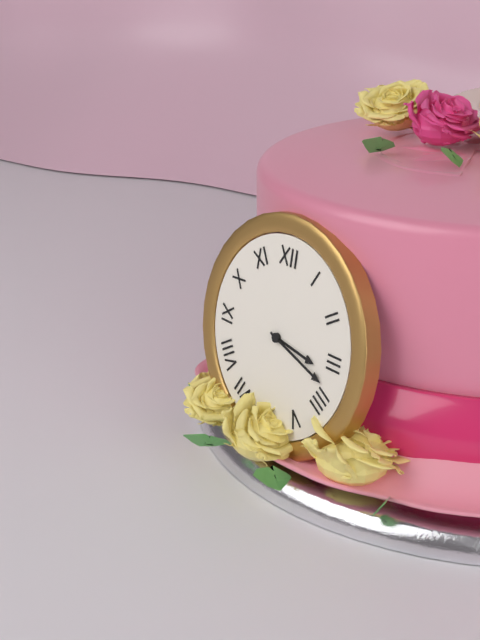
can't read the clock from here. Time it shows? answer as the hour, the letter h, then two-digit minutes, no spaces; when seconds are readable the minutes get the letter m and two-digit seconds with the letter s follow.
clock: 3h18
